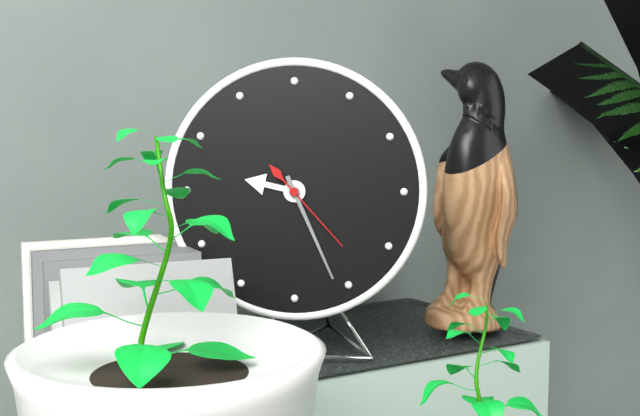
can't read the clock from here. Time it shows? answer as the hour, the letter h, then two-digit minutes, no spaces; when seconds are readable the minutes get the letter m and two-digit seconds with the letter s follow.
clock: 9h26m23s
